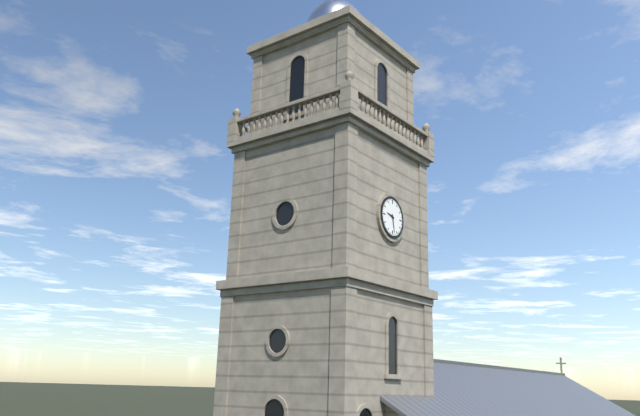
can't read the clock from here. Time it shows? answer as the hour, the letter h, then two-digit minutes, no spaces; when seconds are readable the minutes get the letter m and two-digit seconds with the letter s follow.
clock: 9h28
